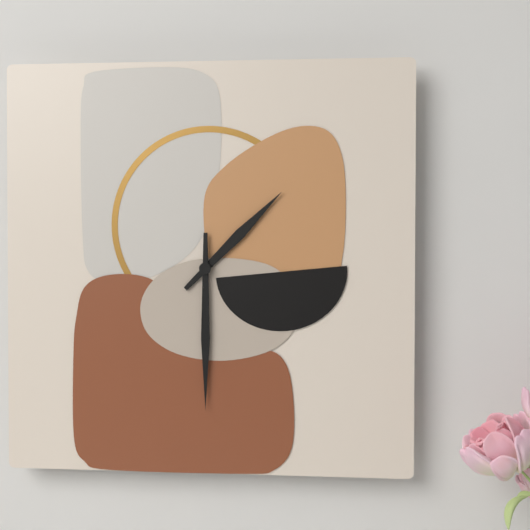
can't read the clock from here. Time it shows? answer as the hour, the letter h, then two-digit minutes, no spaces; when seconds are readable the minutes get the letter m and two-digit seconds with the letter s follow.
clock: 1h30
